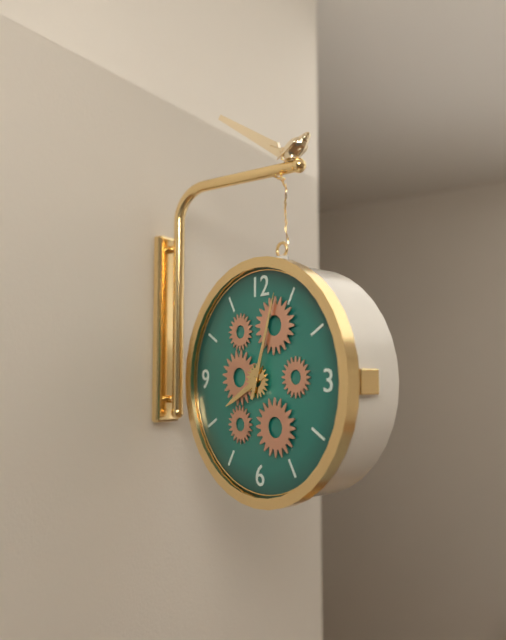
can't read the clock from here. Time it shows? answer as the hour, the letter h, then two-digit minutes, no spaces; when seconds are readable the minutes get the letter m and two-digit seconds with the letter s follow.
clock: 8h03
